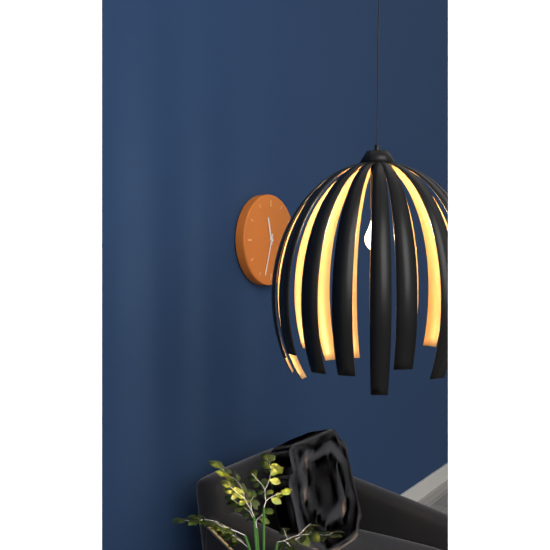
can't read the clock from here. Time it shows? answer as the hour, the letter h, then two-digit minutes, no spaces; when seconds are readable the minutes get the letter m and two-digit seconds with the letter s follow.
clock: 11h33
